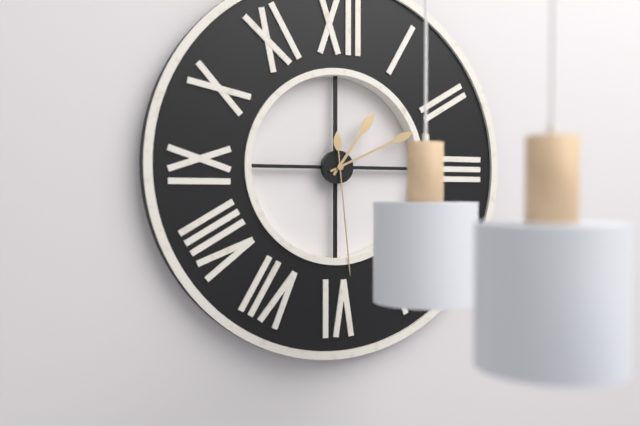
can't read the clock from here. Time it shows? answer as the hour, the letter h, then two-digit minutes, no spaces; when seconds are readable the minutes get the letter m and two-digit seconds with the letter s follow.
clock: 1h11m29s
